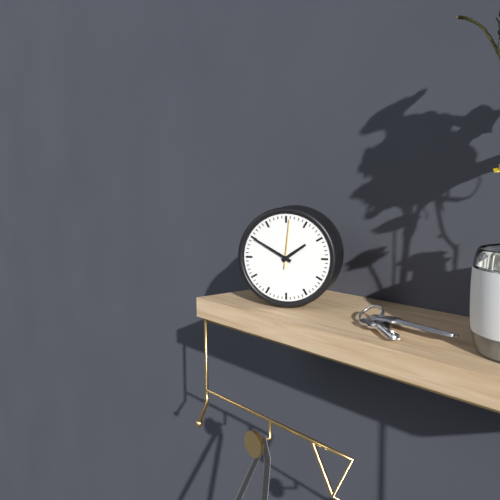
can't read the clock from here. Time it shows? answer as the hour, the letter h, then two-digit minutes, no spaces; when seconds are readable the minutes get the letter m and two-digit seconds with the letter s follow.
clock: 1h50
